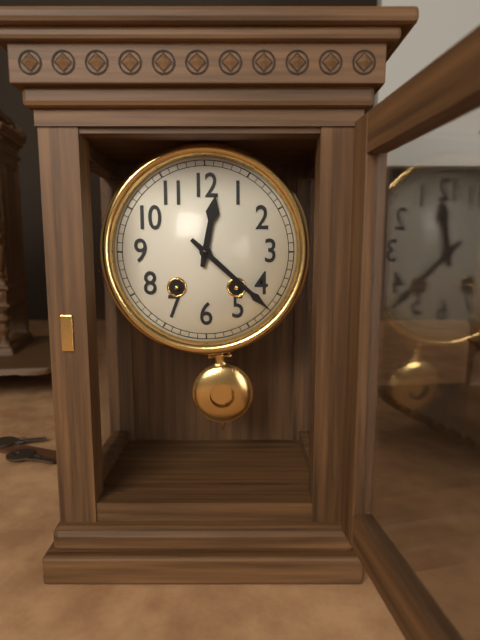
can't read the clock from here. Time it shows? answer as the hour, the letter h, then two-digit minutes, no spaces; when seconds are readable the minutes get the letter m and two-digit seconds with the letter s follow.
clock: 12h22
